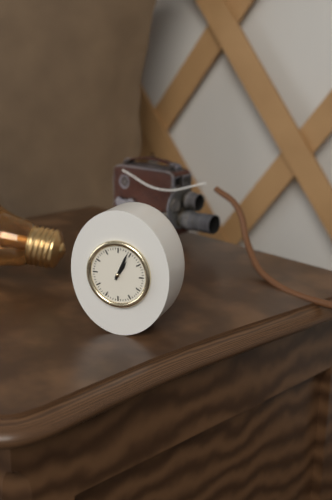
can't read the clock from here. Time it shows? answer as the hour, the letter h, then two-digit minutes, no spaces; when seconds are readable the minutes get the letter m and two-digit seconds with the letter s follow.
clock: 1h04
